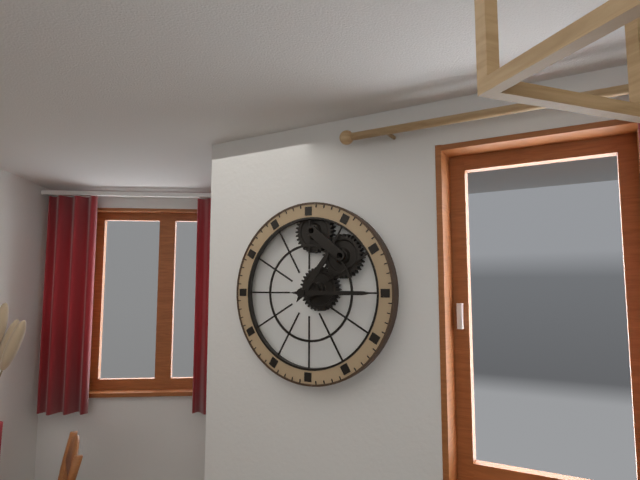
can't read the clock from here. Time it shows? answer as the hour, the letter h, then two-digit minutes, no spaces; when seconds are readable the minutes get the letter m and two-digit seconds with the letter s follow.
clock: 1h15
